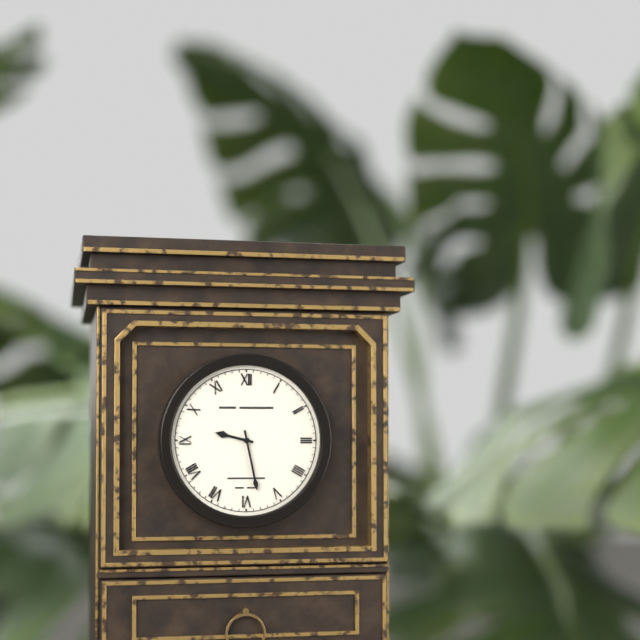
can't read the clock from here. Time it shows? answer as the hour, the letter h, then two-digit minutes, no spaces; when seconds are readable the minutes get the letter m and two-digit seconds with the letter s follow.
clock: 9h28
